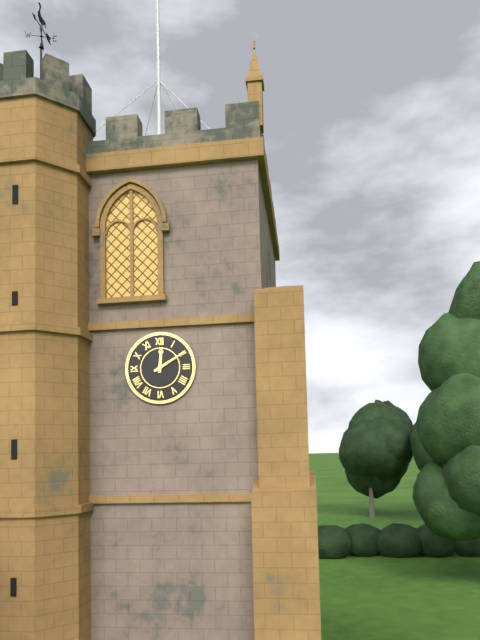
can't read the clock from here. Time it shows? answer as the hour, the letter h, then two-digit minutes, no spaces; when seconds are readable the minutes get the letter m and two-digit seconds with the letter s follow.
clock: 12h10
